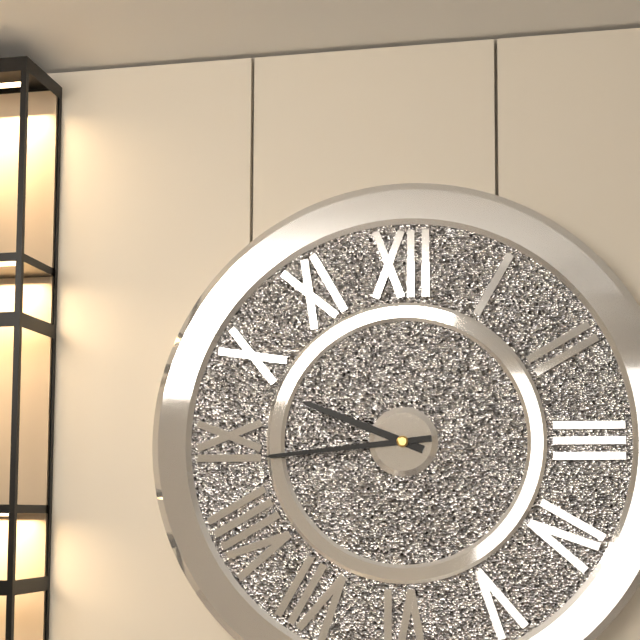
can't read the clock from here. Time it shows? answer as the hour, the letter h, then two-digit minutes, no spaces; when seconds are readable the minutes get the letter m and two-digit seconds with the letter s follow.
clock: 9h44
